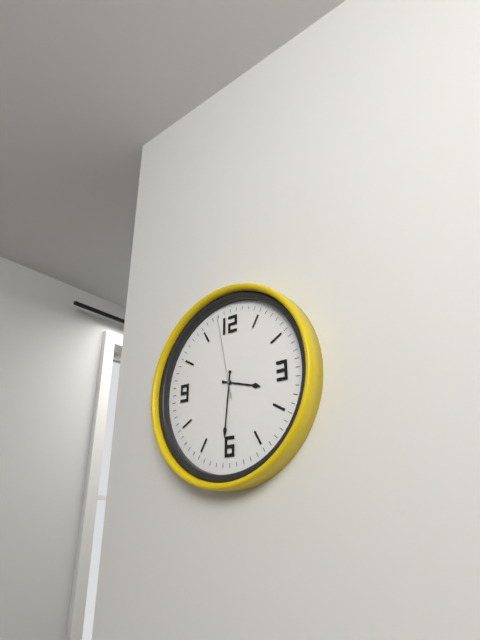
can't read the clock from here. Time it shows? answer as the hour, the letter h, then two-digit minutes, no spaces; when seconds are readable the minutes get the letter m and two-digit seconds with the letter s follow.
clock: 3h31m58s
